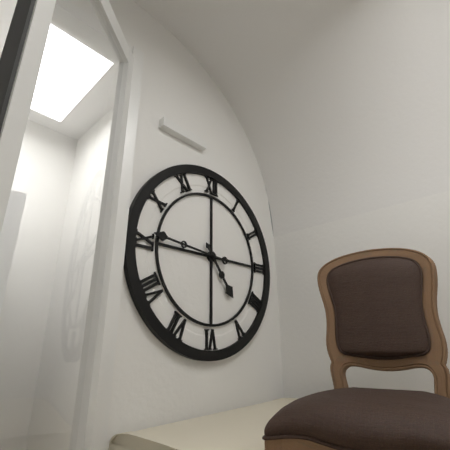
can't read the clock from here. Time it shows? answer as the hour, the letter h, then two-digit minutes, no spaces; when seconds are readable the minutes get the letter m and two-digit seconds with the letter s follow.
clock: 4h46
